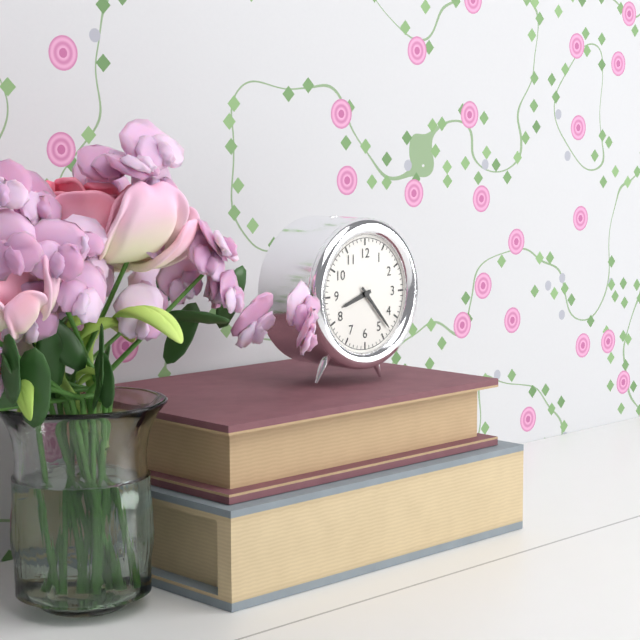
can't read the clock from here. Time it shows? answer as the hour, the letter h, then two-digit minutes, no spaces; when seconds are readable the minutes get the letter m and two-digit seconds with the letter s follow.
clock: 8h23
